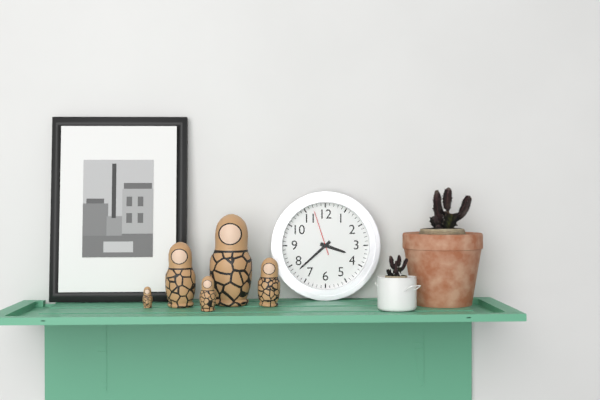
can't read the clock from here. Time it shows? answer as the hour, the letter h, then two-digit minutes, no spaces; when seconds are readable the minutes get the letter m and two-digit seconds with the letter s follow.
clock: 3h38
